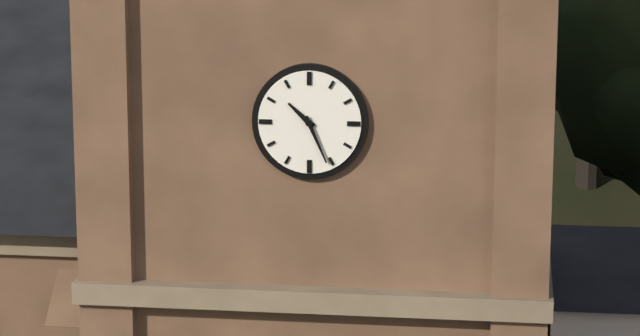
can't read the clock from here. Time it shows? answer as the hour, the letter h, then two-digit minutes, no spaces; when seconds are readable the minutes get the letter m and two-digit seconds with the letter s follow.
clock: 10h26
